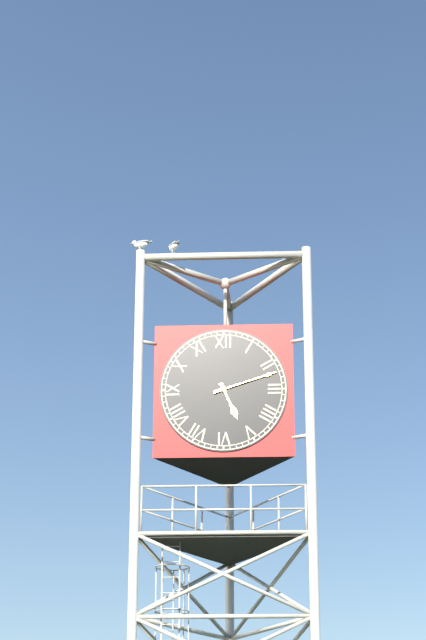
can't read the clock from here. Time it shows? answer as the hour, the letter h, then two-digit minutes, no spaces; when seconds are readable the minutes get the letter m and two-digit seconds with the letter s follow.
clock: 5h12
